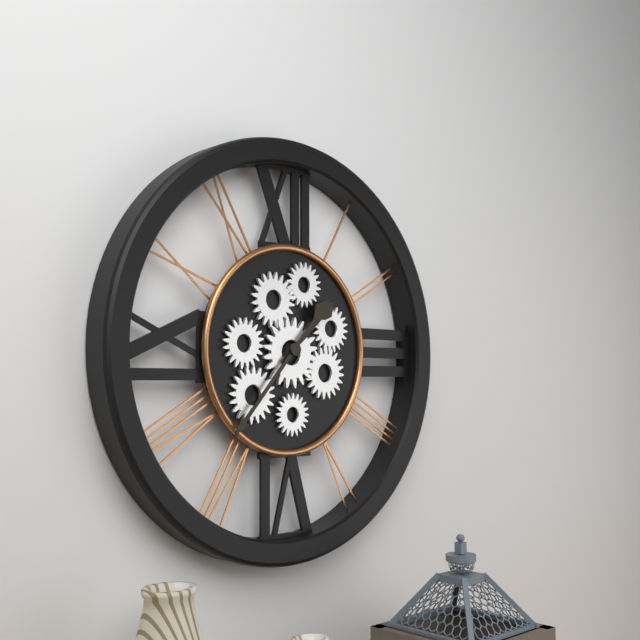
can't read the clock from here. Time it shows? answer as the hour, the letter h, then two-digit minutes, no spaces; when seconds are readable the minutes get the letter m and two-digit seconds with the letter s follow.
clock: 1h37
